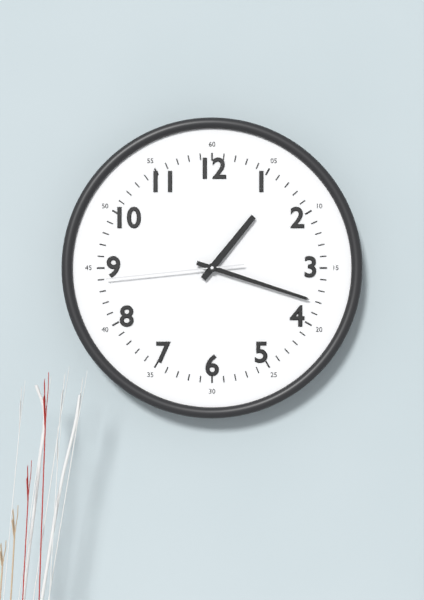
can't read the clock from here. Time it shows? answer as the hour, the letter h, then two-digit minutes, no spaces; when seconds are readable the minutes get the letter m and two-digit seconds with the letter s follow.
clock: 1h18m44s
